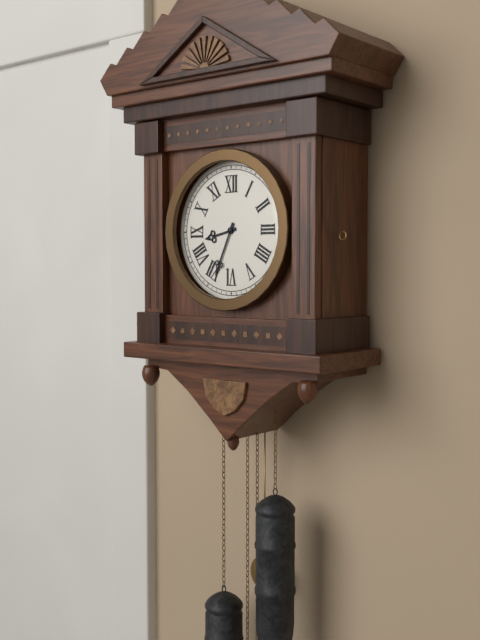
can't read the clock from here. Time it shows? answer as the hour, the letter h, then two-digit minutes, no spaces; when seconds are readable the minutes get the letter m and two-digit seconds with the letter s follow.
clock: 8h34
